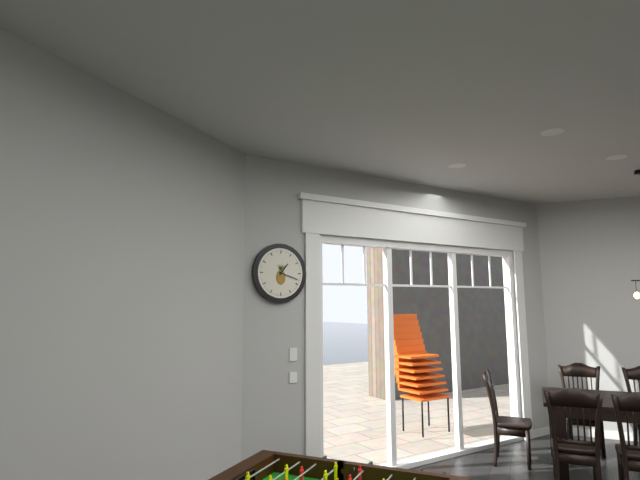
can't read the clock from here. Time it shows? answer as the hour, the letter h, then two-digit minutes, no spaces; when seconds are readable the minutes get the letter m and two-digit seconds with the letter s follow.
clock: 1h18
